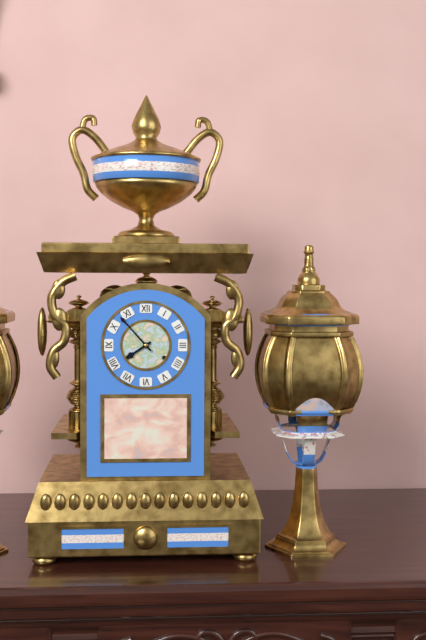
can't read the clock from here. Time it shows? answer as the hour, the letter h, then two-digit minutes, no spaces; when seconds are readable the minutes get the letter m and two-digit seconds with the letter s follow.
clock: 7h53
